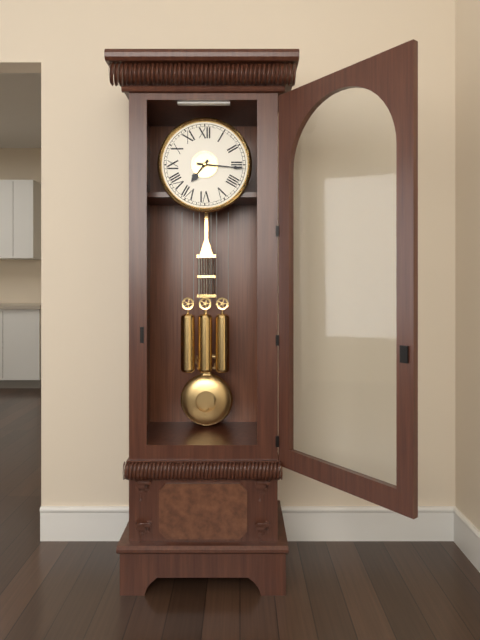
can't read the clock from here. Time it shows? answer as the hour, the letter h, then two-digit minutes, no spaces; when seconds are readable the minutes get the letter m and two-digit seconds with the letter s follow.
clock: 7h16
